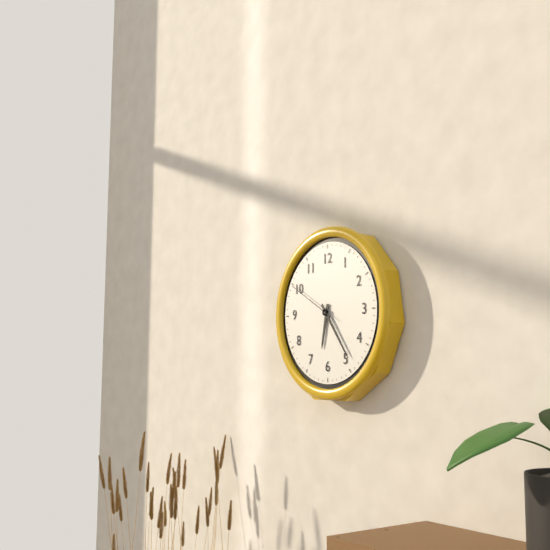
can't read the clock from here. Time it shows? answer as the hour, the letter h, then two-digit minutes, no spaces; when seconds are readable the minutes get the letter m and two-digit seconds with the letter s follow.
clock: 6h24m50s
